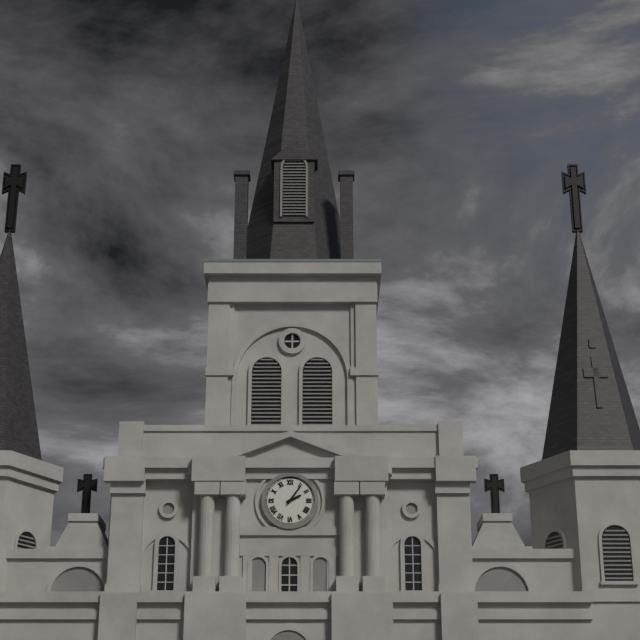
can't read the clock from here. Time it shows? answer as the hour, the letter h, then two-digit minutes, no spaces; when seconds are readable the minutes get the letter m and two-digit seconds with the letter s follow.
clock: 2h06
